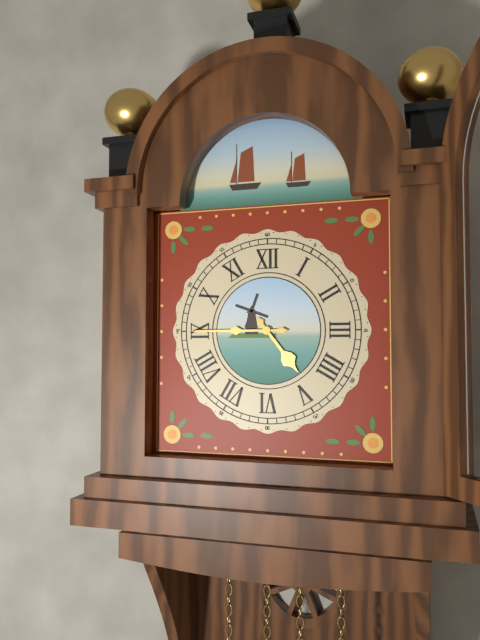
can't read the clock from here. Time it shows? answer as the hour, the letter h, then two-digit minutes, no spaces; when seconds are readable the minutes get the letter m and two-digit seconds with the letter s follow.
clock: 4h45
